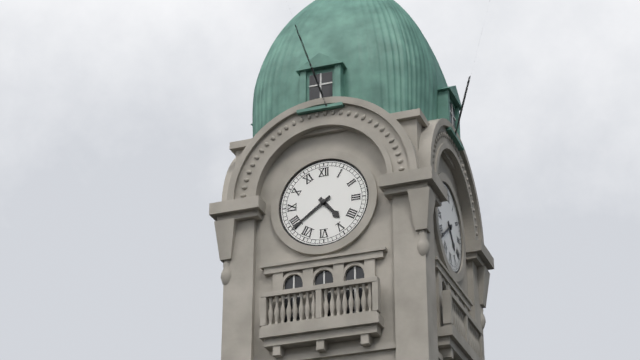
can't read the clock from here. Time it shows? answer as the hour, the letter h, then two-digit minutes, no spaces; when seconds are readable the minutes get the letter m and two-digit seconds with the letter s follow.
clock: 4h39
